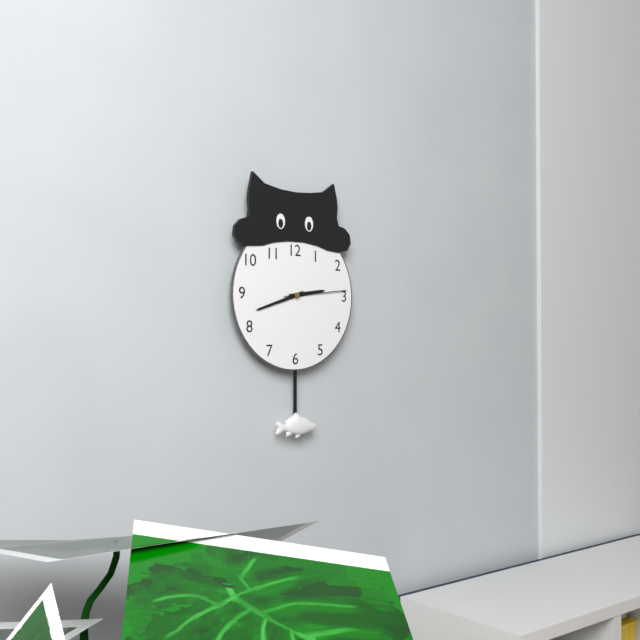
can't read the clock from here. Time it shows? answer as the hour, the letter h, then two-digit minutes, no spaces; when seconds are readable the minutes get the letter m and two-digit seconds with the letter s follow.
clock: 2h42m14s
